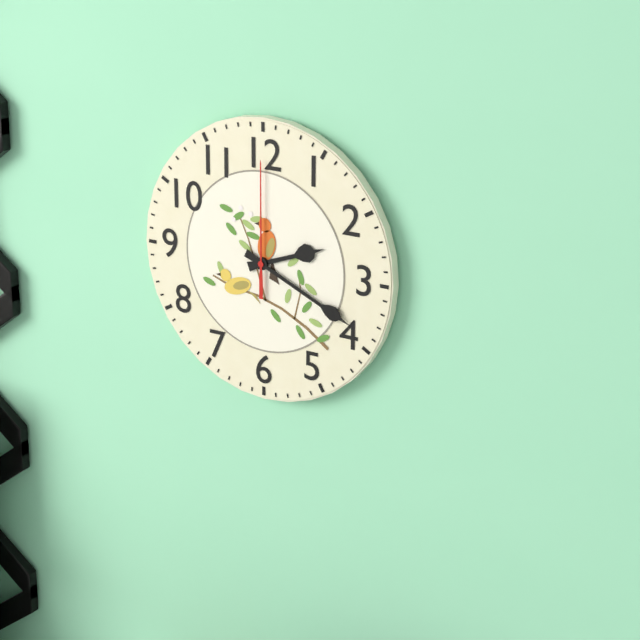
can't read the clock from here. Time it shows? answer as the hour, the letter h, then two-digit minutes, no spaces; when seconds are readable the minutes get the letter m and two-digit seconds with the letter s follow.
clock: 2h19m00s
